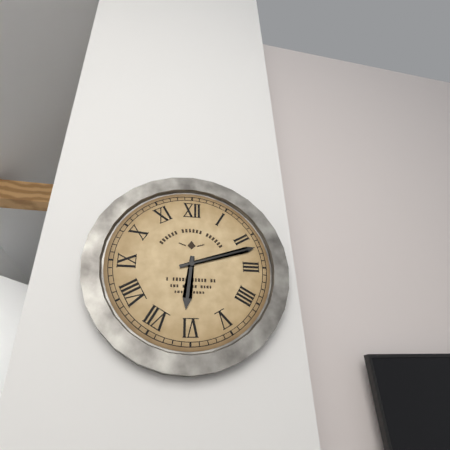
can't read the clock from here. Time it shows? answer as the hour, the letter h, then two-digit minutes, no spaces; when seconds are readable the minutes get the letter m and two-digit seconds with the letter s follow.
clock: 6h12
